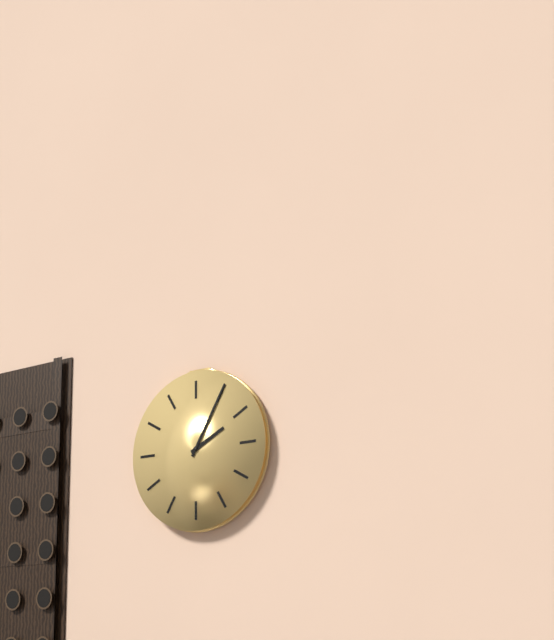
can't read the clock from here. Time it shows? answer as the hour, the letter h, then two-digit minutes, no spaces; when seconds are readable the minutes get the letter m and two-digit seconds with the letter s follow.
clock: 2h05
